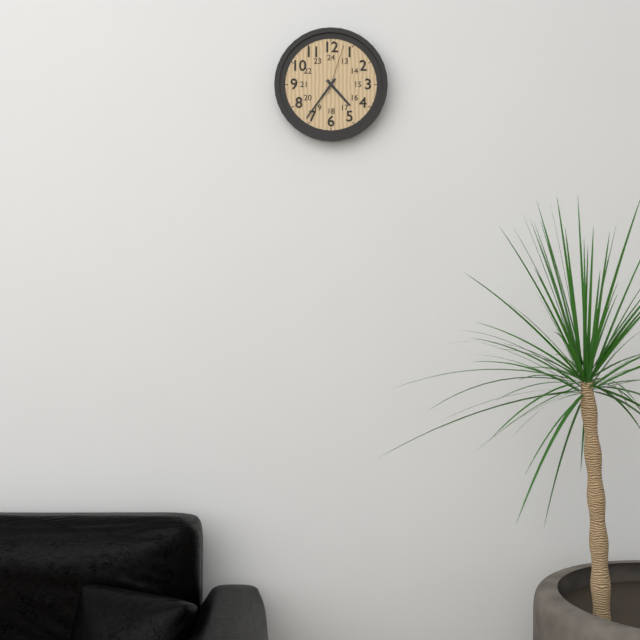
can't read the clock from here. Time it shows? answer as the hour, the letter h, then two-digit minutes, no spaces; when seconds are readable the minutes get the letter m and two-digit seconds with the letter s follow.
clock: 4h36m03s
